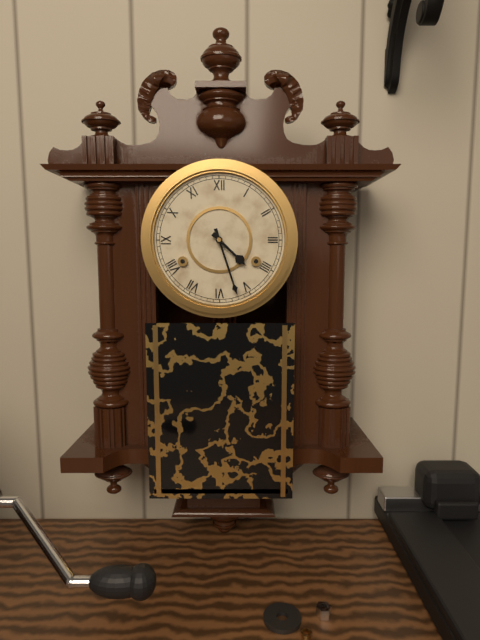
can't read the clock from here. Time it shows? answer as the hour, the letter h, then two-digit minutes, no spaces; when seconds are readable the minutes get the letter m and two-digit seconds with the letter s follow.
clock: 4h27
